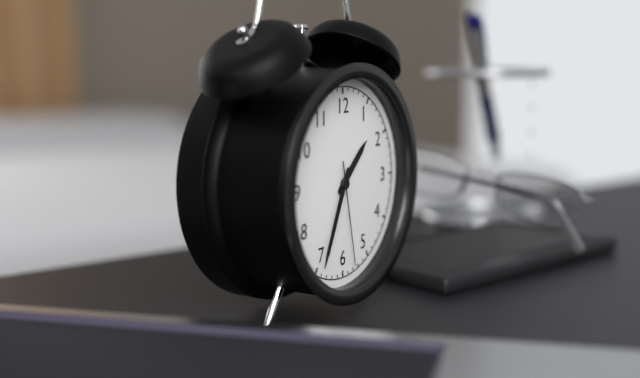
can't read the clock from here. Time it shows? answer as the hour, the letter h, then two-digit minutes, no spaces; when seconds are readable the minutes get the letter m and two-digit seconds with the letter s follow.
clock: 1h34m28s
